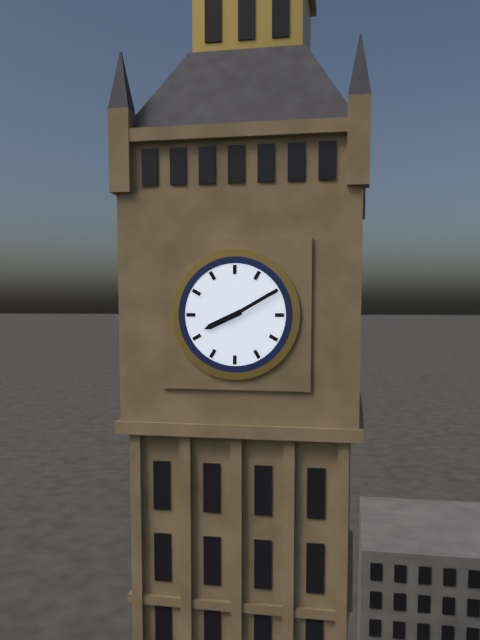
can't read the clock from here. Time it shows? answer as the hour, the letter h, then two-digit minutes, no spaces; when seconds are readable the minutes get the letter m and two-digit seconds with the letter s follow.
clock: 8h10
